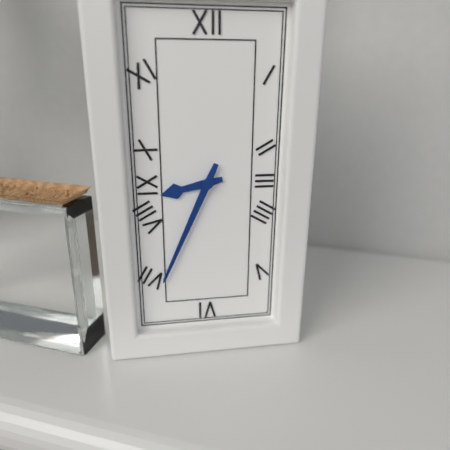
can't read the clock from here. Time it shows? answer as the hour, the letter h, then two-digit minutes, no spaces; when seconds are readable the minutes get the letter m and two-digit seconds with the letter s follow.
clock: 8h34
